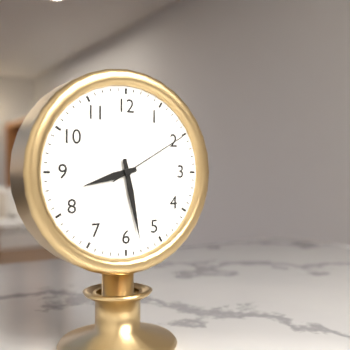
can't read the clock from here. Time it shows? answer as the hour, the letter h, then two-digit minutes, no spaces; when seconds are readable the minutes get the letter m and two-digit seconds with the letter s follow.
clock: 8h28m10s
